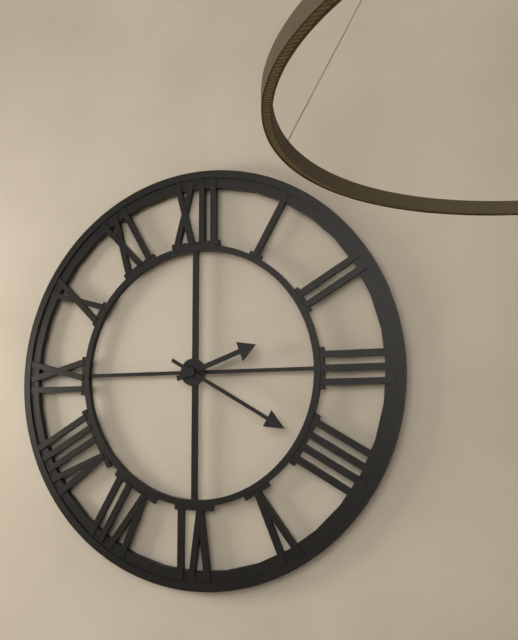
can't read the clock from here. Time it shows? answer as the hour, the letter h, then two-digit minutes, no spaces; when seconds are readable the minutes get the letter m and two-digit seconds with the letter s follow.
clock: 2h20
